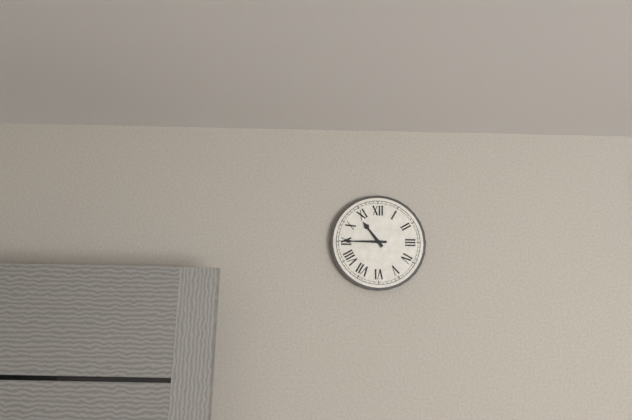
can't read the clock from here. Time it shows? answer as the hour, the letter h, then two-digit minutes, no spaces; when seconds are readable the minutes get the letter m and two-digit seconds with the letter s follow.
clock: 10h45
